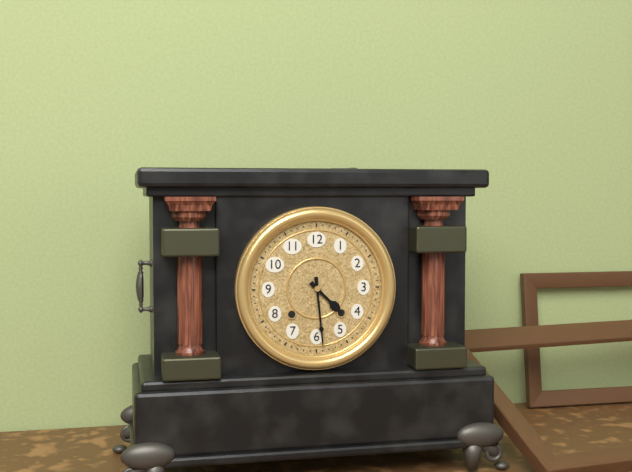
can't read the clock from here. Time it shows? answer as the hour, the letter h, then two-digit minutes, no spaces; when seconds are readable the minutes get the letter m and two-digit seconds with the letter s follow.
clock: 4h29
